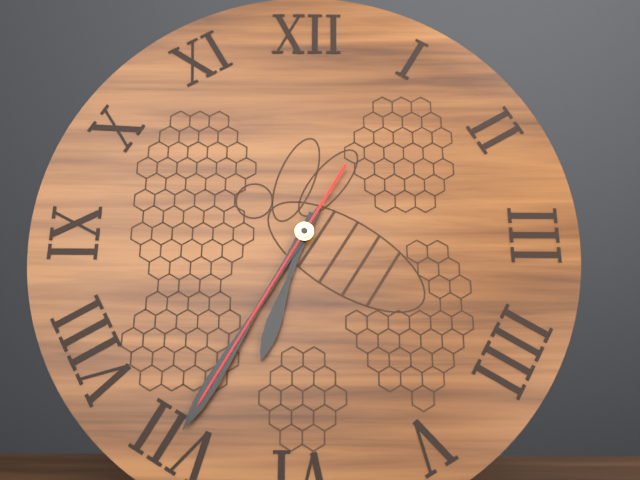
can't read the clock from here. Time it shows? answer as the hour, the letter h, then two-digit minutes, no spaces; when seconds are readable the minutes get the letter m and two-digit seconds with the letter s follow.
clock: 6h35m35s
